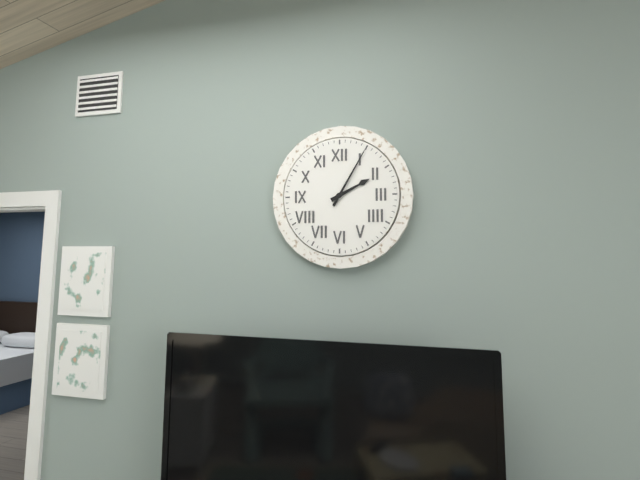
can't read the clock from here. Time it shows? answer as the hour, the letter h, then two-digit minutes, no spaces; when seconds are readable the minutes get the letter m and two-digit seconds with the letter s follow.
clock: 2h05
